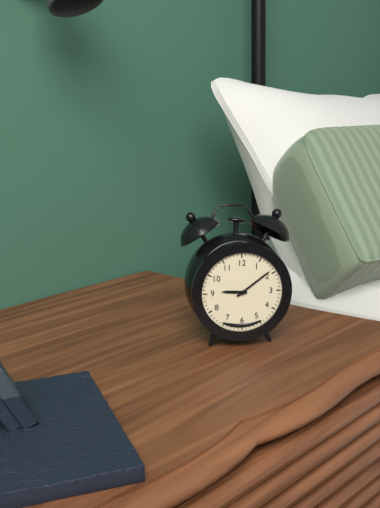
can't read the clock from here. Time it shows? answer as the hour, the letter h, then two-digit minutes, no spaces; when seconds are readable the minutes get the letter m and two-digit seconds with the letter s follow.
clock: 9h09
